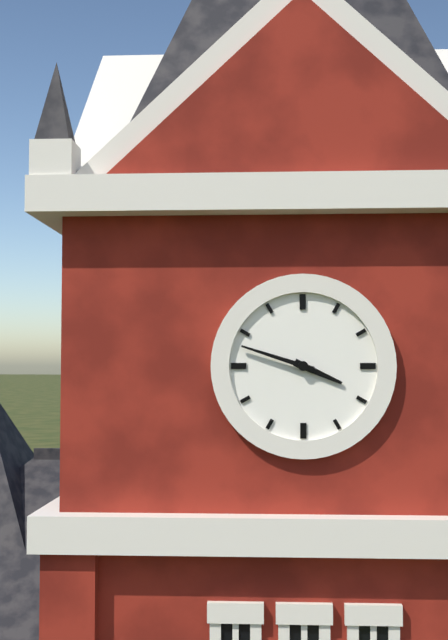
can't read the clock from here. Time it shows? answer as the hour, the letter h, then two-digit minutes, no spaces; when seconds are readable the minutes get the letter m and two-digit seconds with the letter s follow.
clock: 3h48
